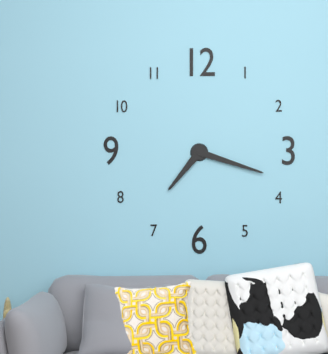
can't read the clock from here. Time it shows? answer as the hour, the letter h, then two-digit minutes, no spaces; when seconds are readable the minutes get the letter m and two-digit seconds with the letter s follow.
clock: 7h18
